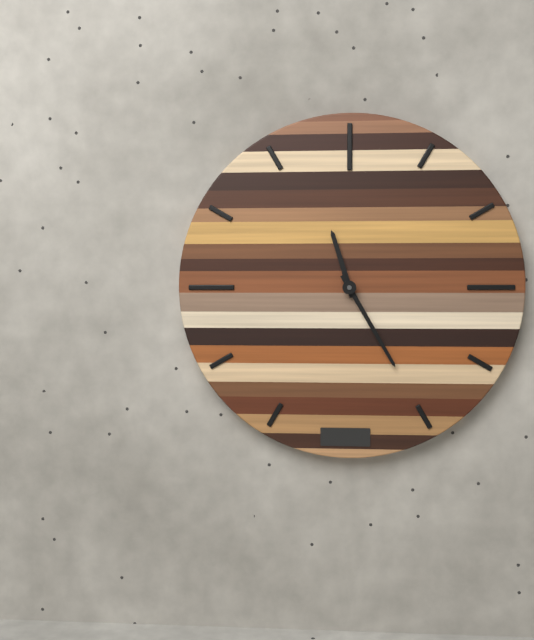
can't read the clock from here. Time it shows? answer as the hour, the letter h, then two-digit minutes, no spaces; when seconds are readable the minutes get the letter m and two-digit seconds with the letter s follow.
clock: 11h25
